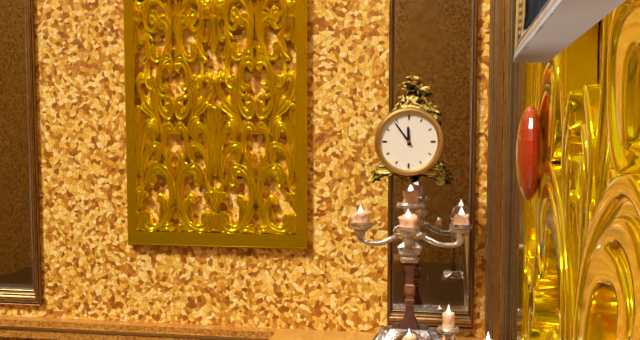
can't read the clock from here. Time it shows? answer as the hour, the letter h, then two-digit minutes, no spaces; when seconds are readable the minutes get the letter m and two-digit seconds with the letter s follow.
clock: 11h54
